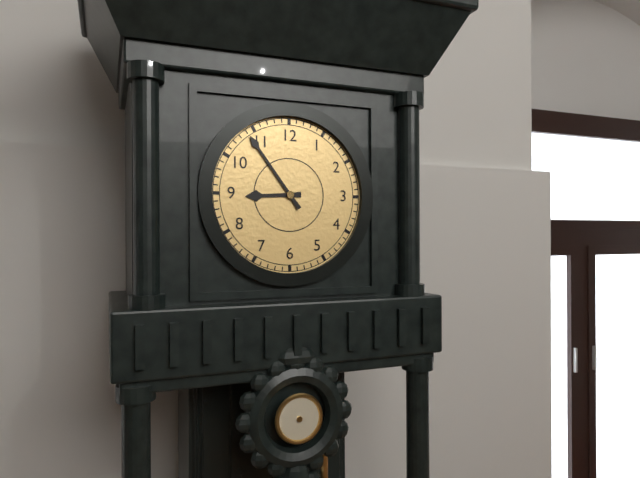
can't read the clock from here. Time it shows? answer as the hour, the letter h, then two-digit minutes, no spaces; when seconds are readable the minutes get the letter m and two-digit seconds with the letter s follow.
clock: 8h54
